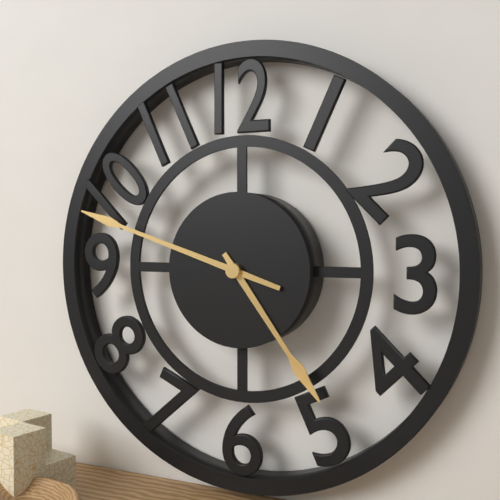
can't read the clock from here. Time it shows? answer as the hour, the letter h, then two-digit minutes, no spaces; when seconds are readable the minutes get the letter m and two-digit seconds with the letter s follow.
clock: 4h48
